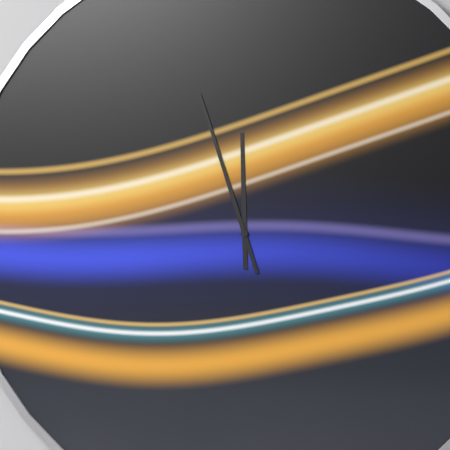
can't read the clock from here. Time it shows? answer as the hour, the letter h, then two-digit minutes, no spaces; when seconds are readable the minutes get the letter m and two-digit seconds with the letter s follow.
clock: 11h57
